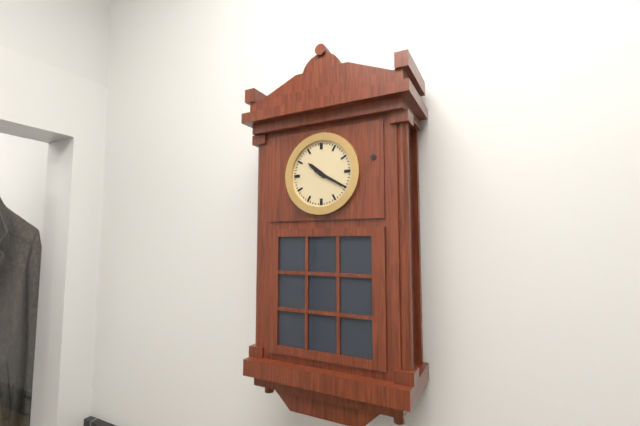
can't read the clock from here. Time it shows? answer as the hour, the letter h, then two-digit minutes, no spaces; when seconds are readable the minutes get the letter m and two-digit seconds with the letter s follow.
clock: 10h20
